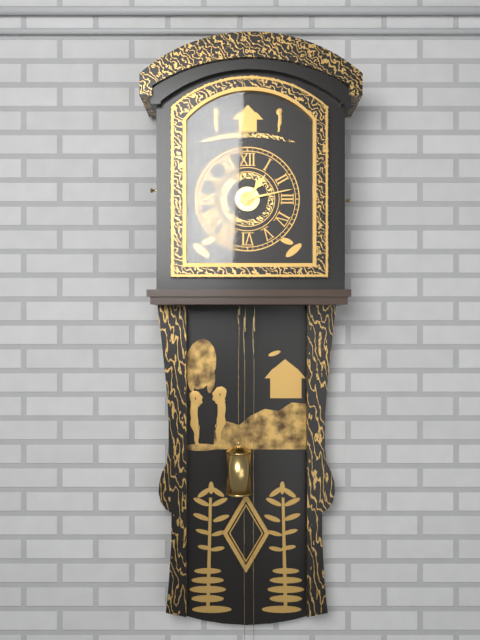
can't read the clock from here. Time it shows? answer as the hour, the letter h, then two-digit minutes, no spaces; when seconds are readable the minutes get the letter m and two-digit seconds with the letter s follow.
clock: 1h13
